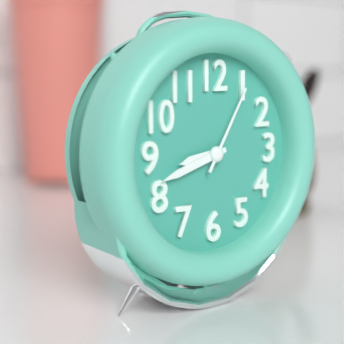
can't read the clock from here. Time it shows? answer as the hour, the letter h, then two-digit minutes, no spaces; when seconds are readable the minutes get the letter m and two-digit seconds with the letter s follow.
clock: 8h42m05s
